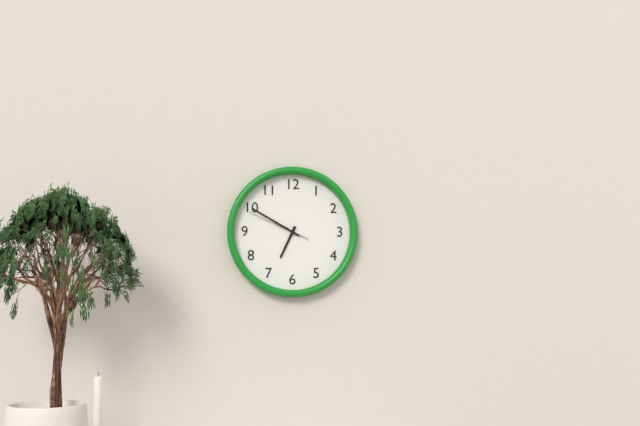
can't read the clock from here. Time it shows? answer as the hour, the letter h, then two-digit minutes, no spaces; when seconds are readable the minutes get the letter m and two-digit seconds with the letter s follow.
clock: 6h50m49s
